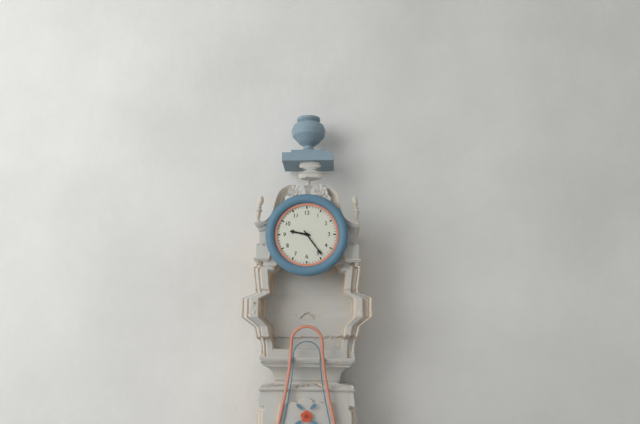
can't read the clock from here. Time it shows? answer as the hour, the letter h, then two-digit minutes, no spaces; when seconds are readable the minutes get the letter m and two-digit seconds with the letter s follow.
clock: 9h24
